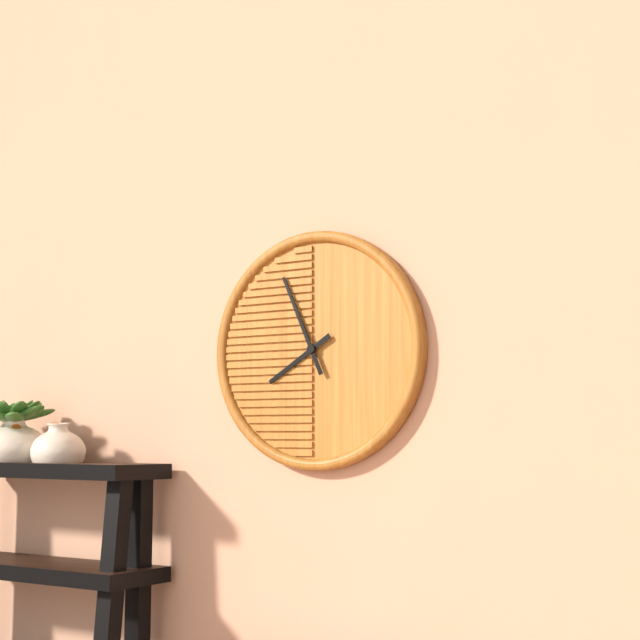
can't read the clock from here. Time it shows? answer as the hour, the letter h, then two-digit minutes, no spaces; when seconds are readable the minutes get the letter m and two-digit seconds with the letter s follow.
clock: 7h56
